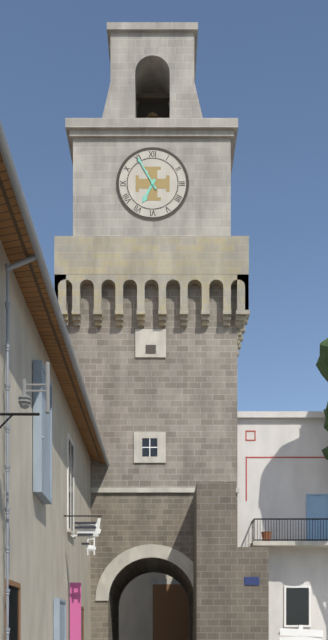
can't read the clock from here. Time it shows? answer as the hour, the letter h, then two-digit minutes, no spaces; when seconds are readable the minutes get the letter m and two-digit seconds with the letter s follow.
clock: 6h55
